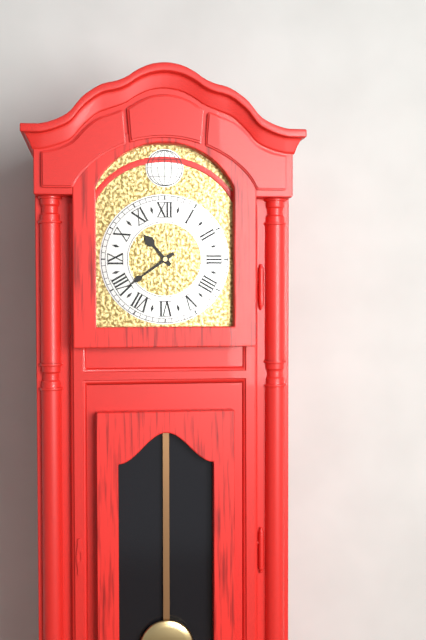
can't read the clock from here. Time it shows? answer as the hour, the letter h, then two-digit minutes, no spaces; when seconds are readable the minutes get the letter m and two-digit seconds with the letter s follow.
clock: 10h39
